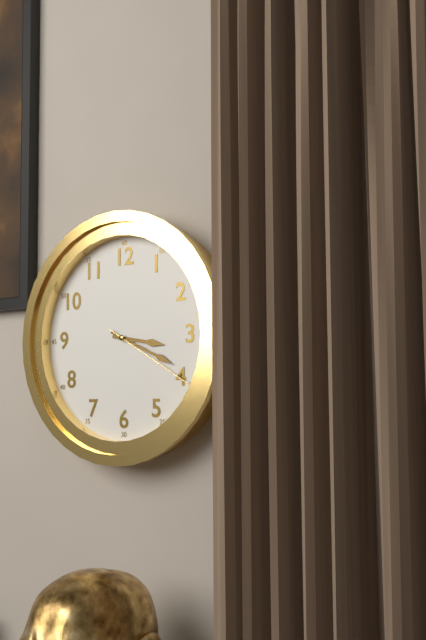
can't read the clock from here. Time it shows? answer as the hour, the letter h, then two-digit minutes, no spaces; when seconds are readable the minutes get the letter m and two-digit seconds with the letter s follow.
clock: 3h19m20s
